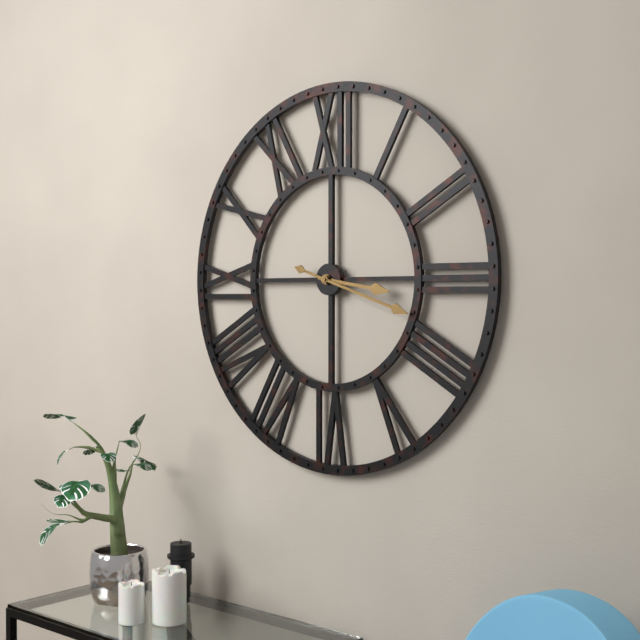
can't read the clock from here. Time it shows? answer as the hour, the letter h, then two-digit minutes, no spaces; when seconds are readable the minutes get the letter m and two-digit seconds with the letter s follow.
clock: 3h18
